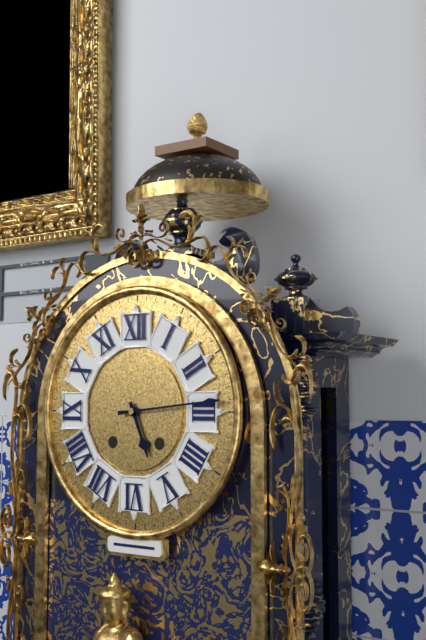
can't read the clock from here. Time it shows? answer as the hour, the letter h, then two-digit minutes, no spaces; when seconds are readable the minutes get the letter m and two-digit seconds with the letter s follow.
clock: 5h14
